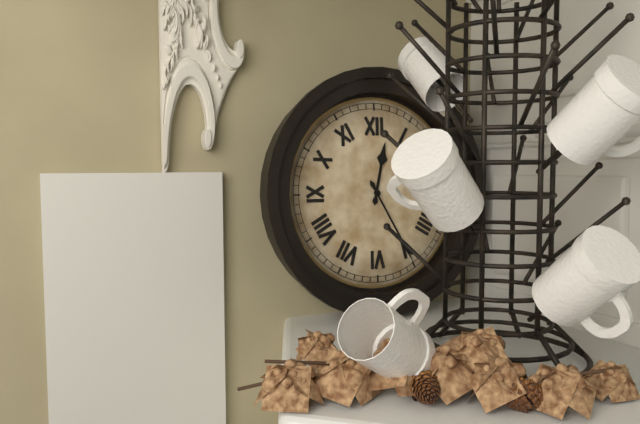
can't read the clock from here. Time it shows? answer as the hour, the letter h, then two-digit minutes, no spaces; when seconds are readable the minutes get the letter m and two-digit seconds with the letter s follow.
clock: 12h25
